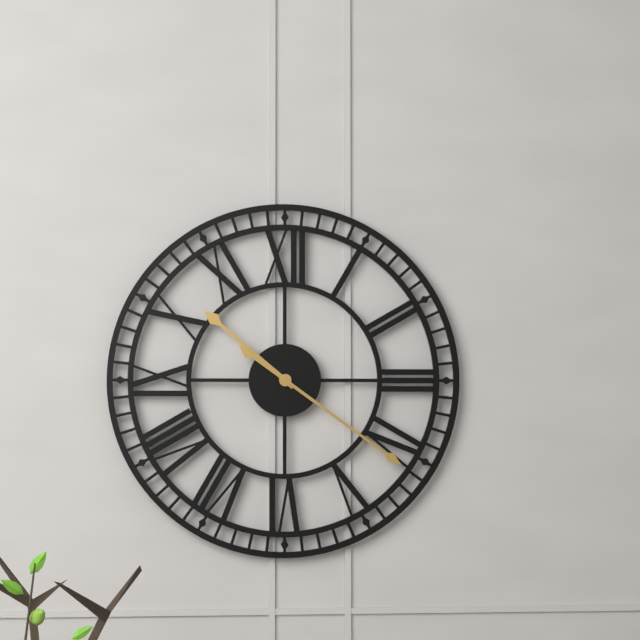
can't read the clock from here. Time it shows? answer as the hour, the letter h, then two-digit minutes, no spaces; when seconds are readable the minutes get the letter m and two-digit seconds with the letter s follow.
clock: 10h21
